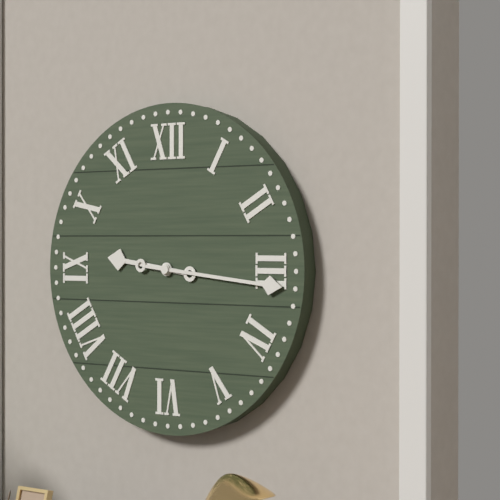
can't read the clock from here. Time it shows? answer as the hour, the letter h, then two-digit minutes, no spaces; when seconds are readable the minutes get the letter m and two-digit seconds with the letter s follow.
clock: 9h16
